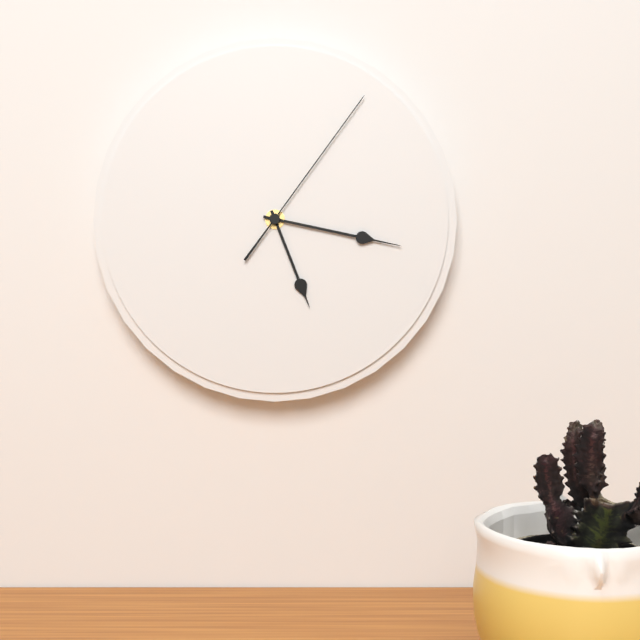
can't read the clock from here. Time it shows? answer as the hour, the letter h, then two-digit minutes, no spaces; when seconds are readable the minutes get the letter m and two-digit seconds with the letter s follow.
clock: 5h17m06s
